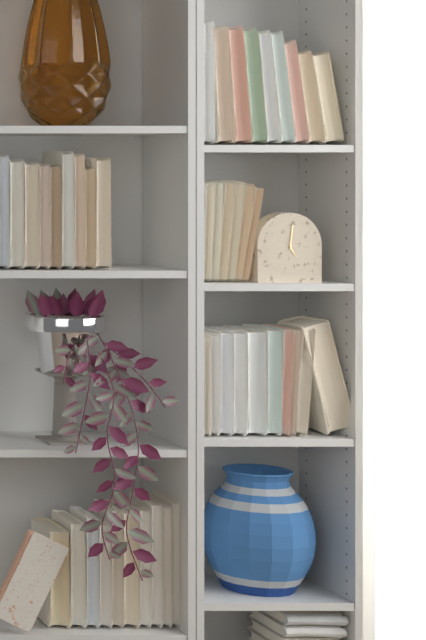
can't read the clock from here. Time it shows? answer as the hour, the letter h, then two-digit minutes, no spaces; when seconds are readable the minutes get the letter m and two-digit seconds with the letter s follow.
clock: 5h01
